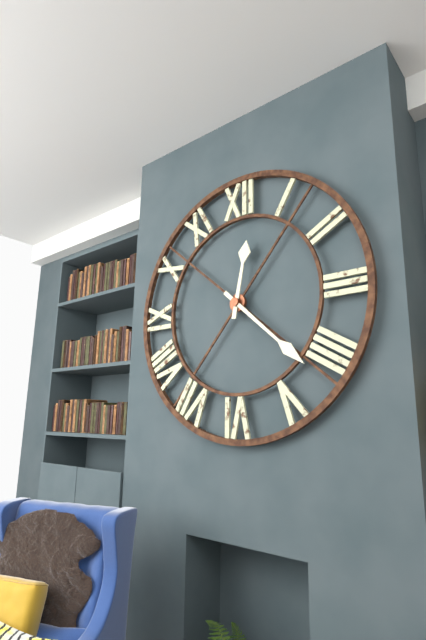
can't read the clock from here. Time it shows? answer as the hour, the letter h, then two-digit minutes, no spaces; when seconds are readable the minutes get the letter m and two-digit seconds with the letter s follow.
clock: 12h22
